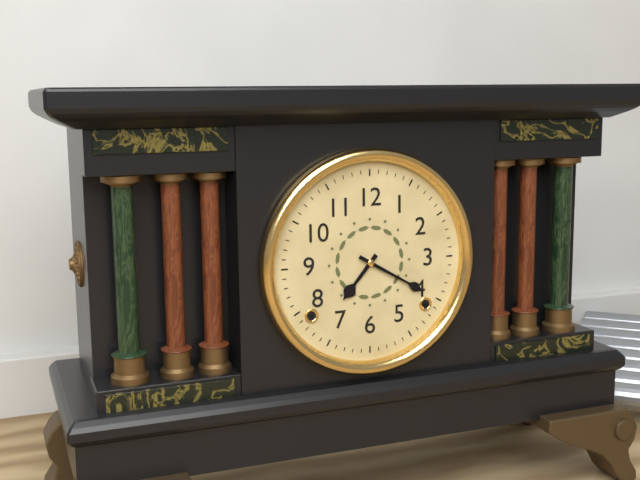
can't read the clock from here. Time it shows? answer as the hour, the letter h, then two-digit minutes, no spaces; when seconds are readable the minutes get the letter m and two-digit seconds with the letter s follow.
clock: 7h20
